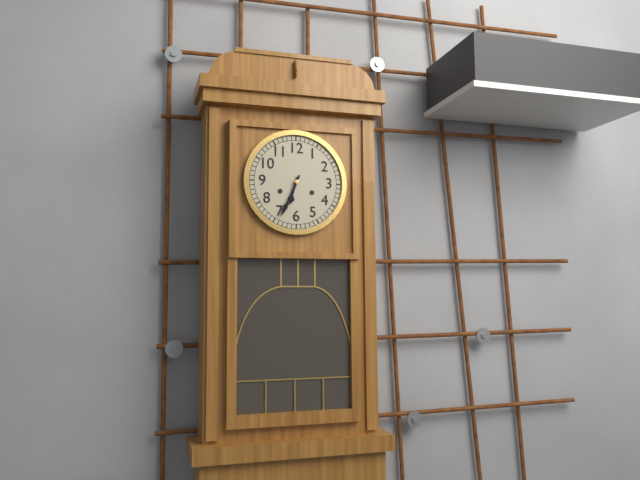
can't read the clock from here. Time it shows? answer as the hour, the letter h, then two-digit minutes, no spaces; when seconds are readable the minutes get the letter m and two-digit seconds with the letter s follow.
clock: 6h34
